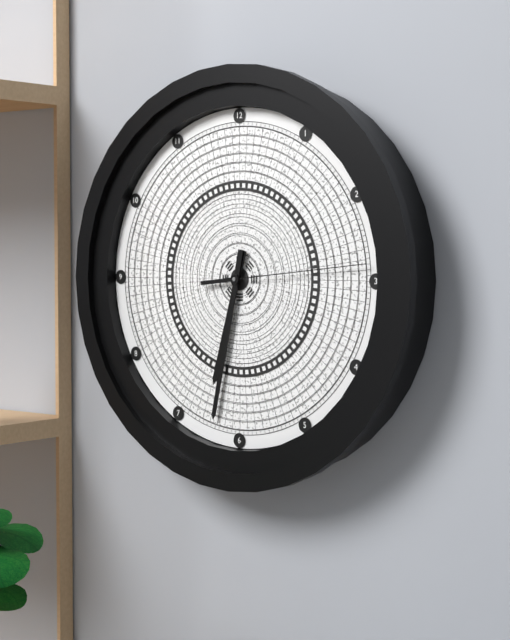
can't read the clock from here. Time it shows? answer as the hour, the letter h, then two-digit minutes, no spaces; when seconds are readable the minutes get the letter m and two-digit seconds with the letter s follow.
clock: 6h32m14s
